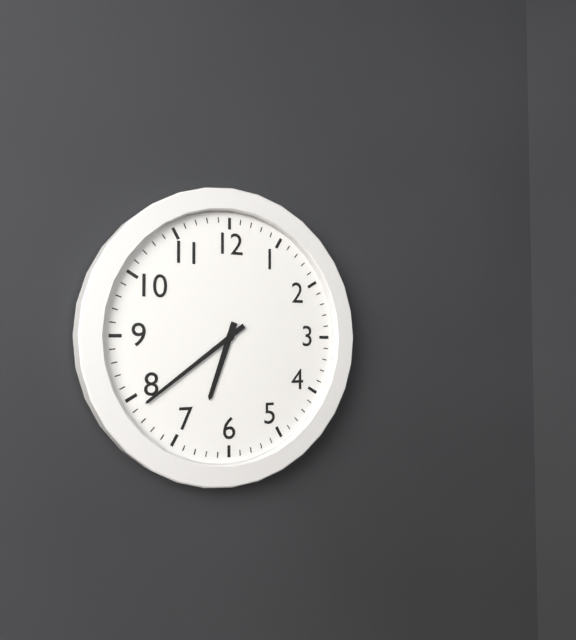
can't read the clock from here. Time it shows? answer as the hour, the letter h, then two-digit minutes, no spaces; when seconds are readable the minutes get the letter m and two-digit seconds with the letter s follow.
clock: 6h39
